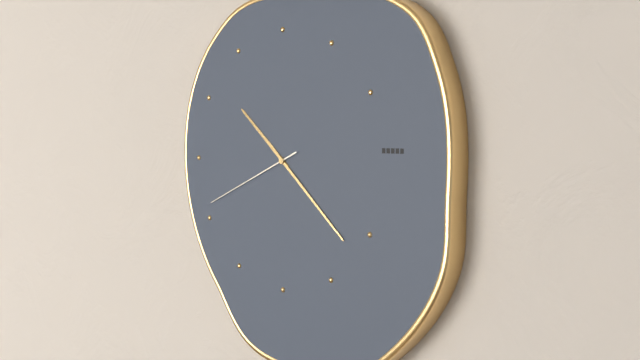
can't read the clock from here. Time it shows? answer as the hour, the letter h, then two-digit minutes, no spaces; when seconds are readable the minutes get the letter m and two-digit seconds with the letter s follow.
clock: 10h22m41s
